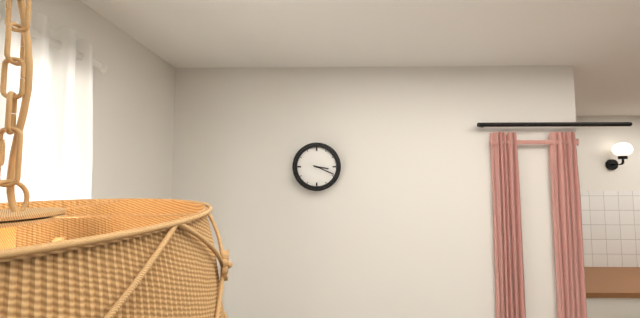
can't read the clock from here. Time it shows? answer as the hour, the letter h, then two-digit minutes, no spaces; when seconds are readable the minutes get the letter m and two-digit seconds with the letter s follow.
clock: 3h19
